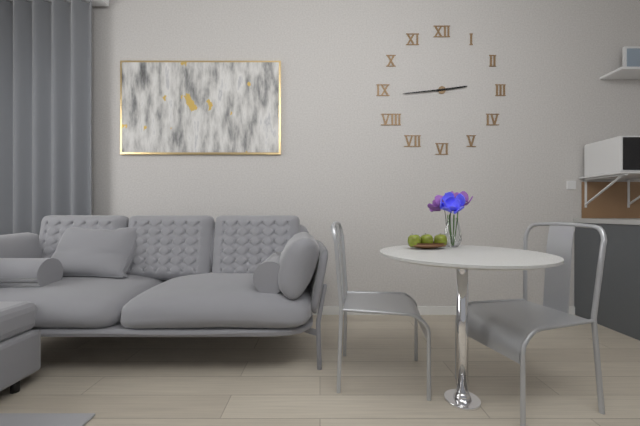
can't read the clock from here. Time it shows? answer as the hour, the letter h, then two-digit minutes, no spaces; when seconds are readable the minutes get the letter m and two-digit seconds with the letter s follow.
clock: 2h44
